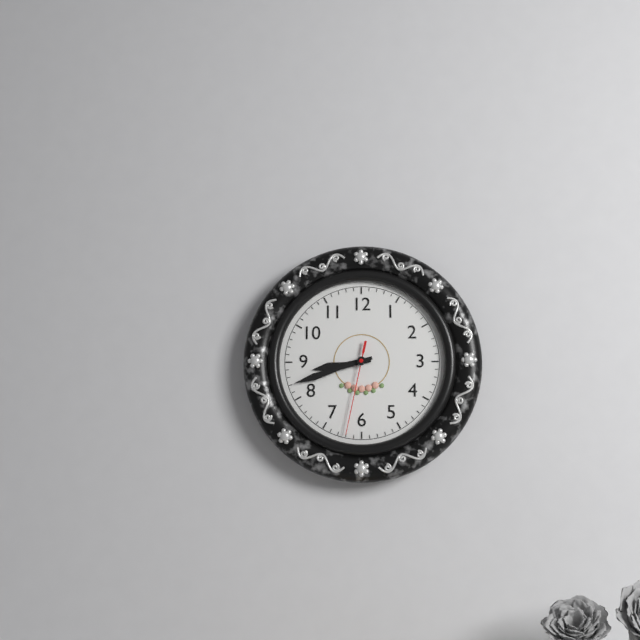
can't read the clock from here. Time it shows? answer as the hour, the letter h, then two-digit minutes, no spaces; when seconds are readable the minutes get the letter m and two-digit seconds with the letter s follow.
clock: 8h42m32s
